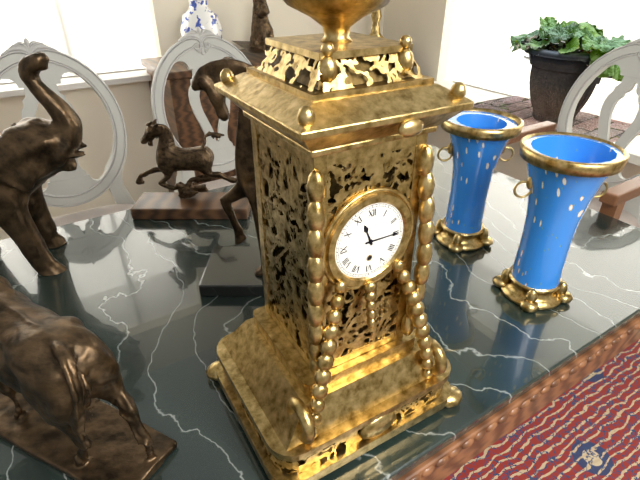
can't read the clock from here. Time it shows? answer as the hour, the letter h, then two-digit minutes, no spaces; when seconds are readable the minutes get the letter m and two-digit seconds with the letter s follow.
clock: 11h15
